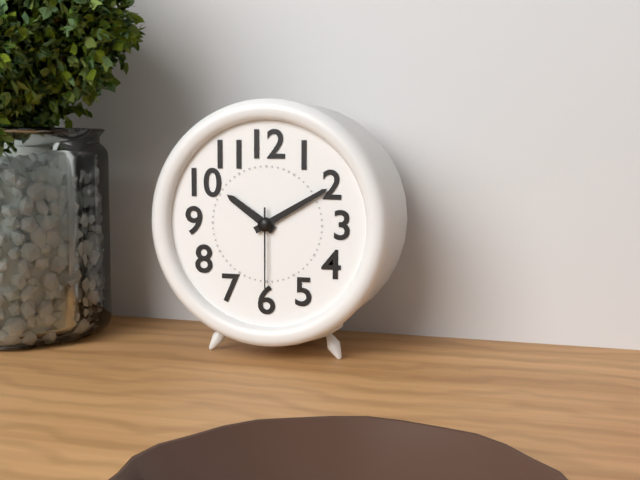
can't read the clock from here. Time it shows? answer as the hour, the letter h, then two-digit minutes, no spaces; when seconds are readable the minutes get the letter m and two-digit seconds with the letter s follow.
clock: 10h10m30s
